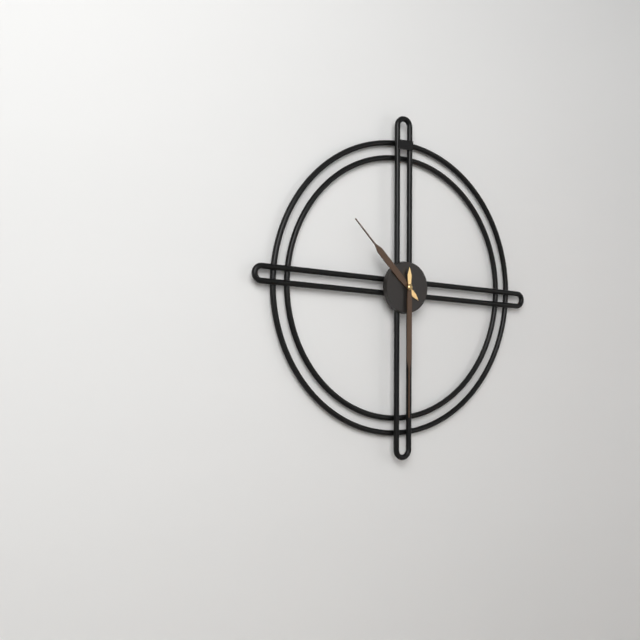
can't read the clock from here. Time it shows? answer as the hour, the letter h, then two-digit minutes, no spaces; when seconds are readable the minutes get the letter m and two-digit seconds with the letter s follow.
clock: 10h30
